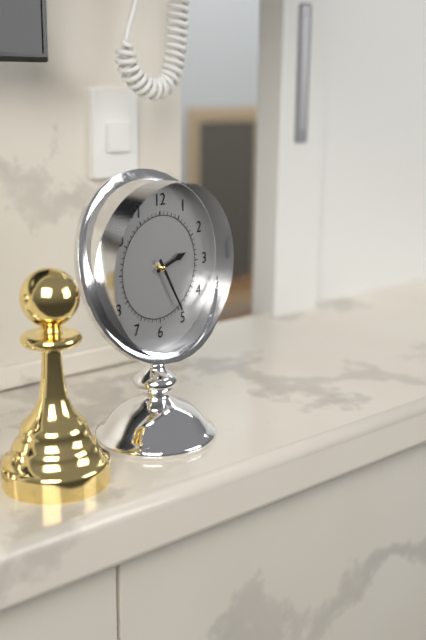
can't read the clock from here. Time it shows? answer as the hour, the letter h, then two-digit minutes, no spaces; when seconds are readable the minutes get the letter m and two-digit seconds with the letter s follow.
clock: 2h25
